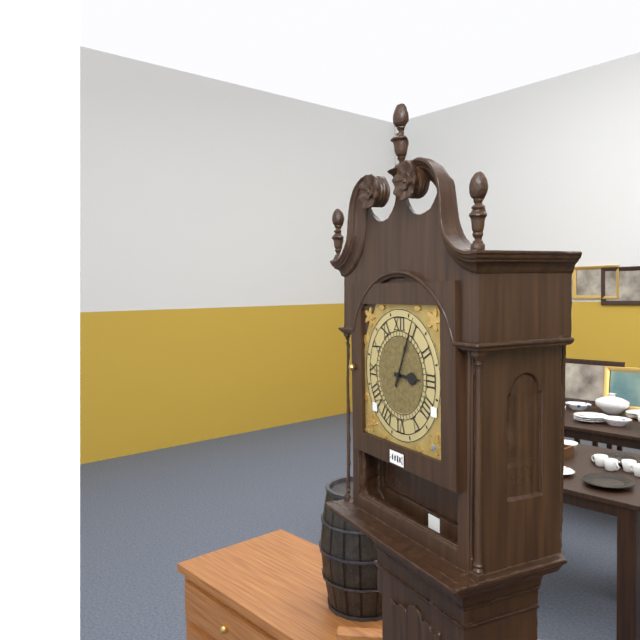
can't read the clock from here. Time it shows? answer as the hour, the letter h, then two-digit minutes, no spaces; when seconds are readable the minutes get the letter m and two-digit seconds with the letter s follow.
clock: 3h04
